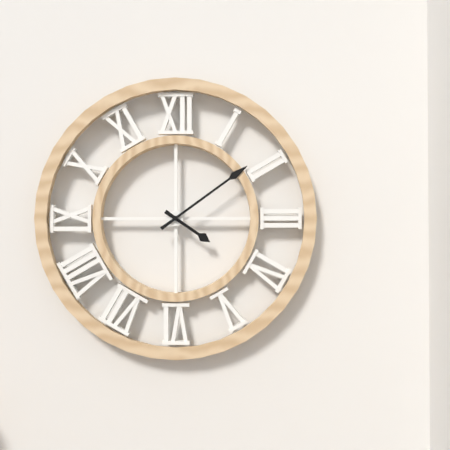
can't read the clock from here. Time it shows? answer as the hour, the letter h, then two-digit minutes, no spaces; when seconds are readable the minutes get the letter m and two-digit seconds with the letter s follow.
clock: 4h09
